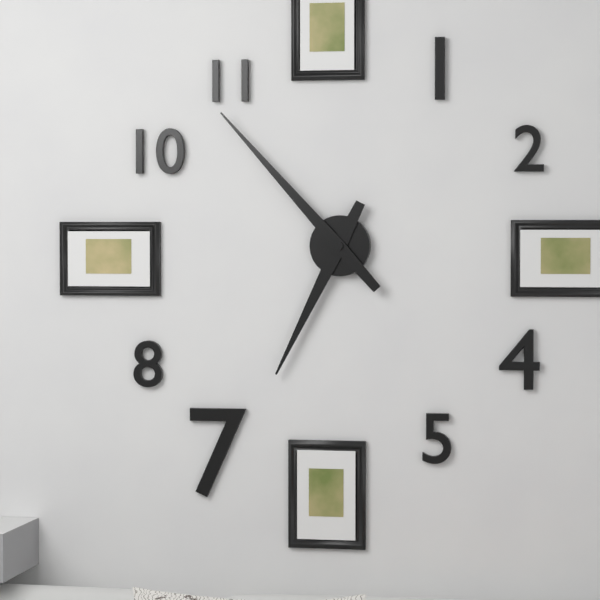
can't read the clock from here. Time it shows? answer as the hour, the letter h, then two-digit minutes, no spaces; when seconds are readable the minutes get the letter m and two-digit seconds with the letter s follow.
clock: 6h53
